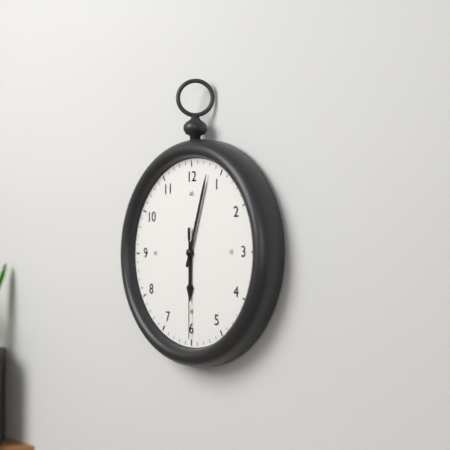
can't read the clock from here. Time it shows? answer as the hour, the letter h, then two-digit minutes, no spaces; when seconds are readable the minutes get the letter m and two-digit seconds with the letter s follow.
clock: 6h03m30s
